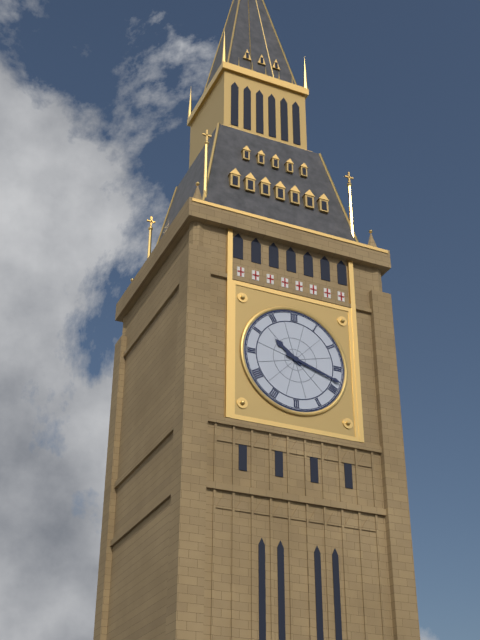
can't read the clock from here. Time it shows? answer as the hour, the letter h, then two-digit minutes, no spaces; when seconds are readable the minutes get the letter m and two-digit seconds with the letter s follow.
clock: 10h18
